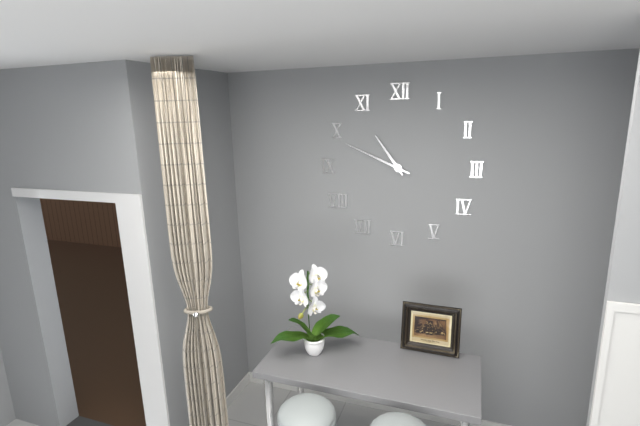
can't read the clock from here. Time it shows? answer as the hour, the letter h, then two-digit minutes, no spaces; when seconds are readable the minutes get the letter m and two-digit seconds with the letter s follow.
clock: 10h49
